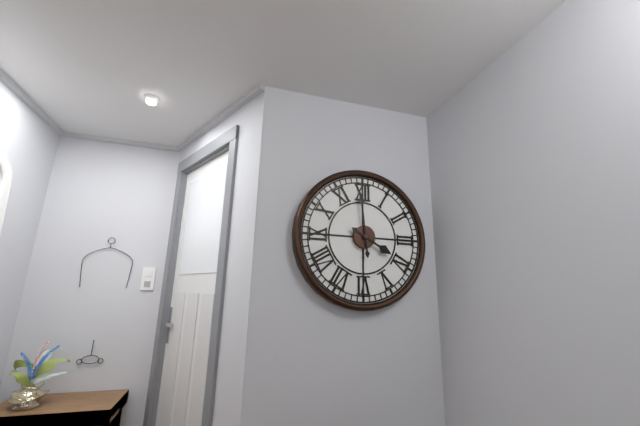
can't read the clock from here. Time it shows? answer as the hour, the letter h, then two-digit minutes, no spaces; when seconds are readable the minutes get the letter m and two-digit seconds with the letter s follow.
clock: 3h59
